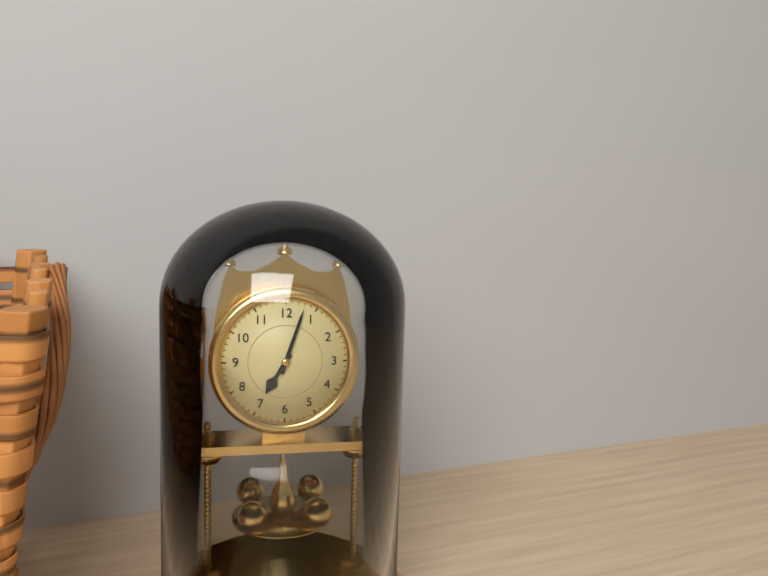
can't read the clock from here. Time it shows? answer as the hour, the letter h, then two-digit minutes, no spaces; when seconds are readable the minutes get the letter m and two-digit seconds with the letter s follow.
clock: 7h03
